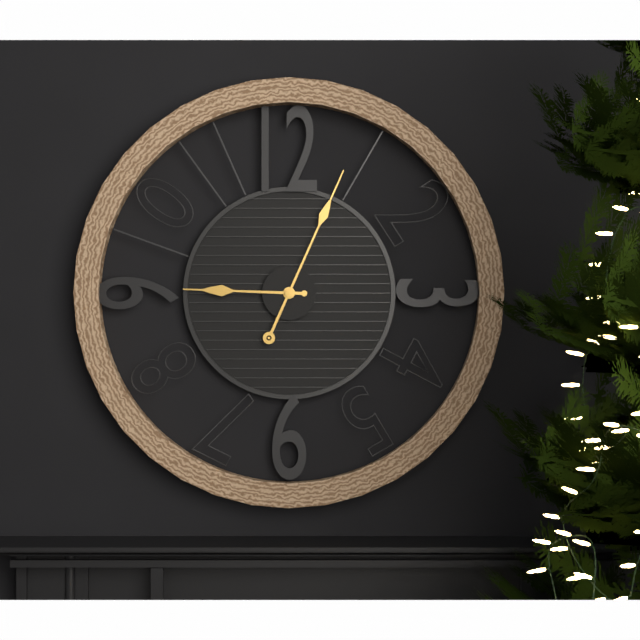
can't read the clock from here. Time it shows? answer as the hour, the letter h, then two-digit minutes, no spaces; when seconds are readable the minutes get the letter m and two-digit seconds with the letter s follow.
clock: 9h04
